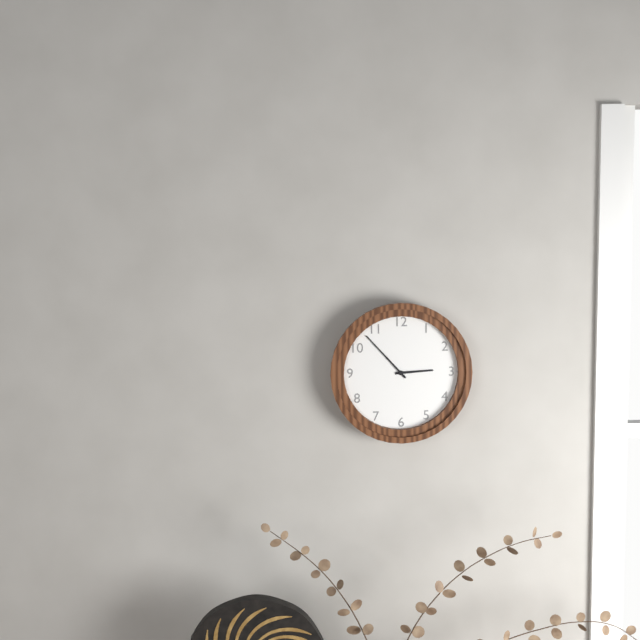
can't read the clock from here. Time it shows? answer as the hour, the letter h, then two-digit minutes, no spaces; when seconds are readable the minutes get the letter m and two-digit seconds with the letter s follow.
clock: 2h53
